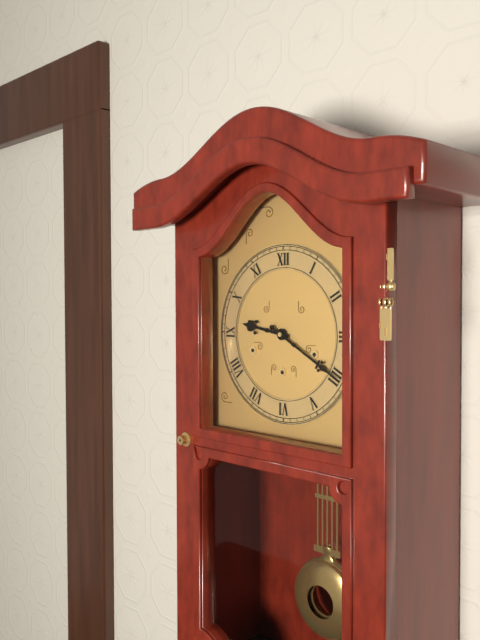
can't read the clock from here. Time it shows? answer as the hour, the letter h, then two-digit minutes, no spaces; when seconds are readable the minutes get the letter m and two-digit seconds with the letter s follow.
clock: 9h20
